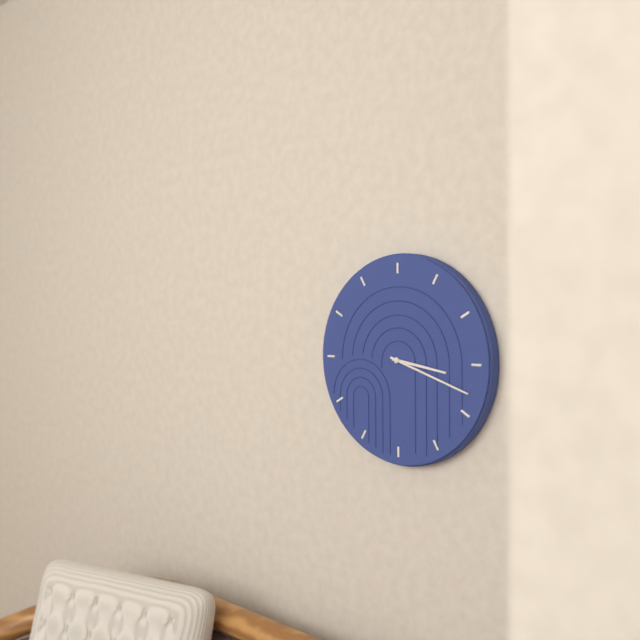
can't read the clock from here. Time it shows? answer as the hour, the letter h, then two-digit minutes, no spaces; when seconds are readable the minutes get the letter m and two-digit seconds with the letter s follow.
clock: 3h18
